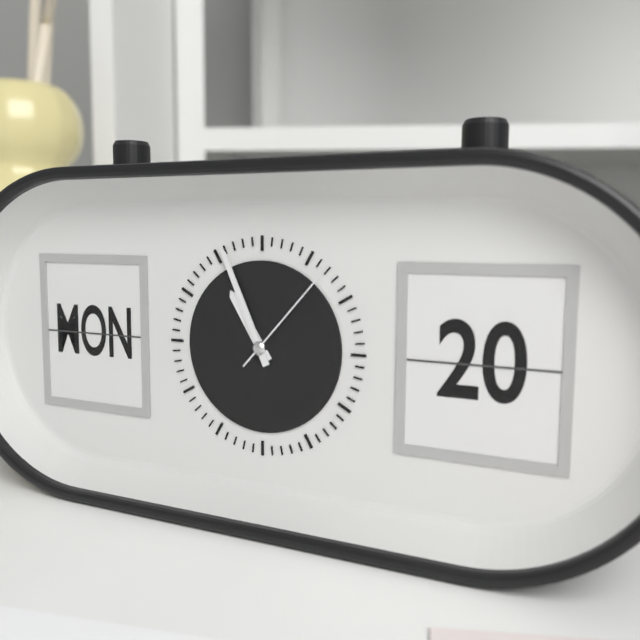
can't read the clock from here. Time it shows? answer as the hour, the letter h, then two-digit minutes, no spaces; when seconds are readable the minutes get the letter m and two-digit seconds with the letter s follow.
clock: 10h56m07s
